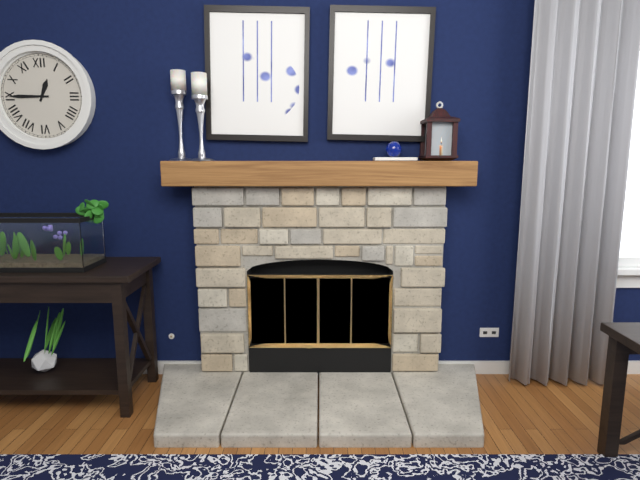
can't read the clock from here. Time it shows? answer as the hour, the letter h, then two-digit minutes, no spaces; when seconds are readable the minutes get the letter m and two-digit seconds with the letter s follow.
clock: 12h45
